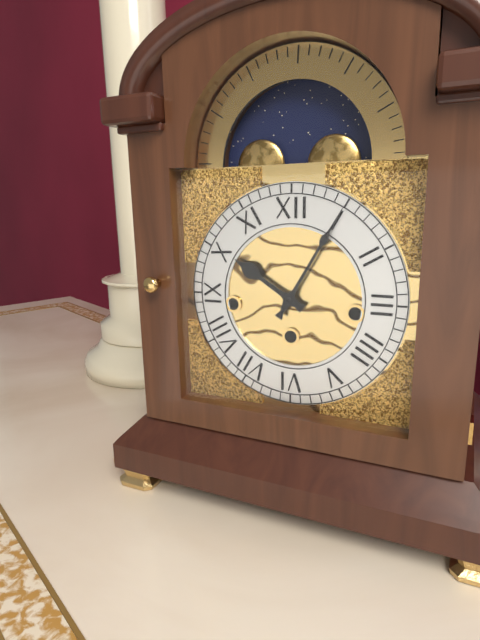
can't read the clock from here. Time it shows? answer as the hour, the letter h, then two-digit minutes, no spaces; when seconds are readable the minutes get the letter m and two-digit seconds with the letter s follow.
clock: 10h05
